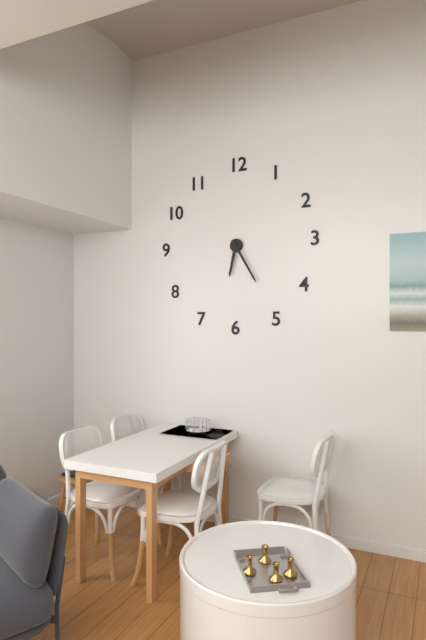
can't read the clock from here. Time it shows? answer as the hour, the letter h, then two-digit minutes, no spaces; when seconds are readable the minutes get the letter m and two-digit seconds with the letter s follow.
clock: 6h25
